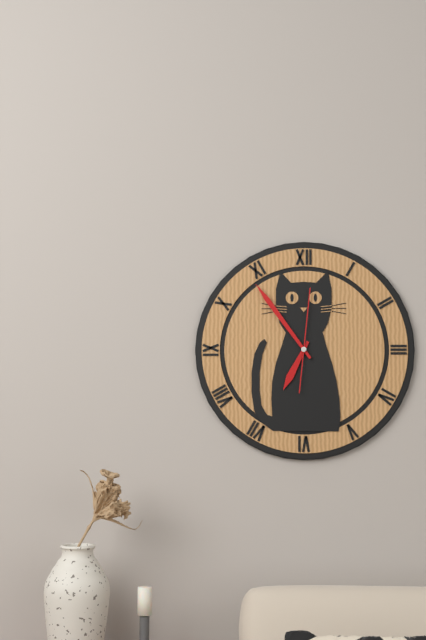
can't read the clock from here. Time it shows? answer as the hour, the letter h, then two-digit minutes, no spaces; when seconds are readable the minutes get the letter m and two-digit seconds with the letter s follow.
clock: 6h54m01s
